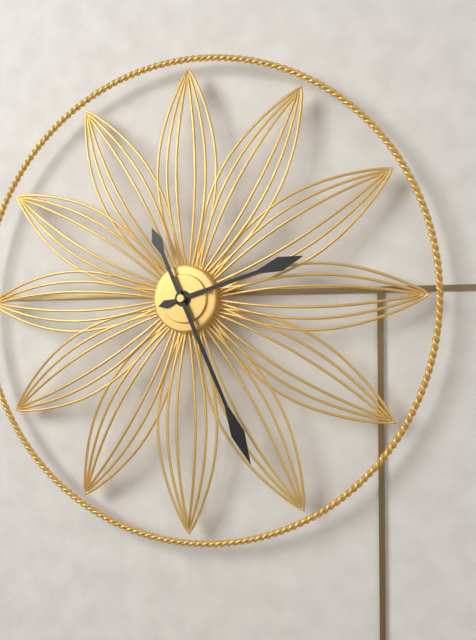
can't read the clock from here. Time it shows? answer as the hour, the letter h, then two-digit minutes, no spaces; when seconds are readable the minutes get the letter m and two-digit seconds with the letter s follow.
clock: 2h26
